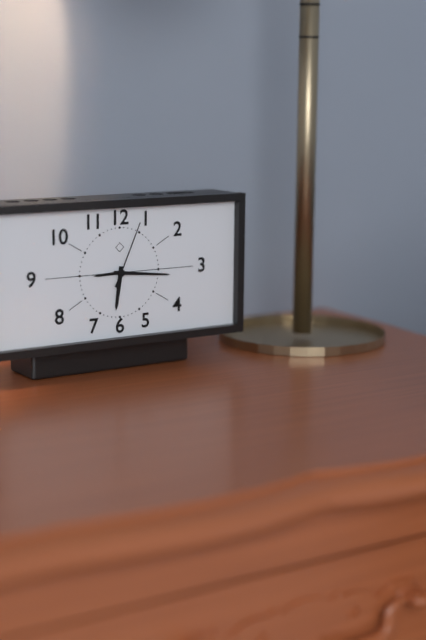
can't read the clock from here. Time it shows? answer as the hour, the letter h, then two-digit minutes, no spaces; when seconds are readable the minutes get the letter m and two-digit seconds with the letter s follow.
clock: 6h16m04s
